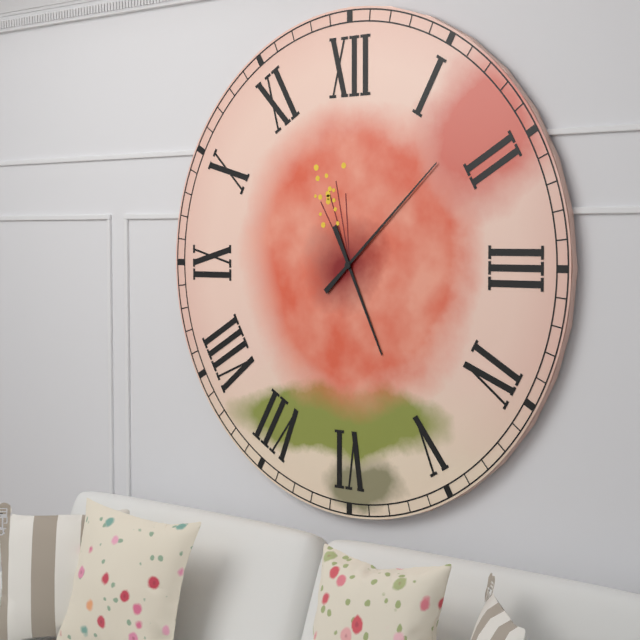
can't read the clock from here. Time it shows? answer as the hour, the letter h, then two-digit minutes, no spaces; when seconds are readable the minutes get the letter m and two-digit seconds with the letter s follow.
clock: 5h08
